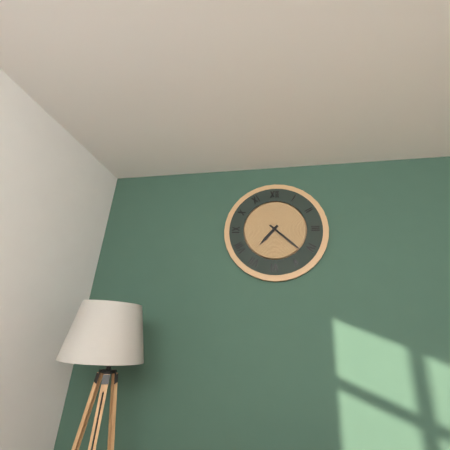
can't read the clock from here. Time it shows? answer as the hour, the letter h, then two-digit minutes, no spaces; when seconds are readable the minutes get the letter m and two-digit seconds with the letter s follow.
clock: 7h22
